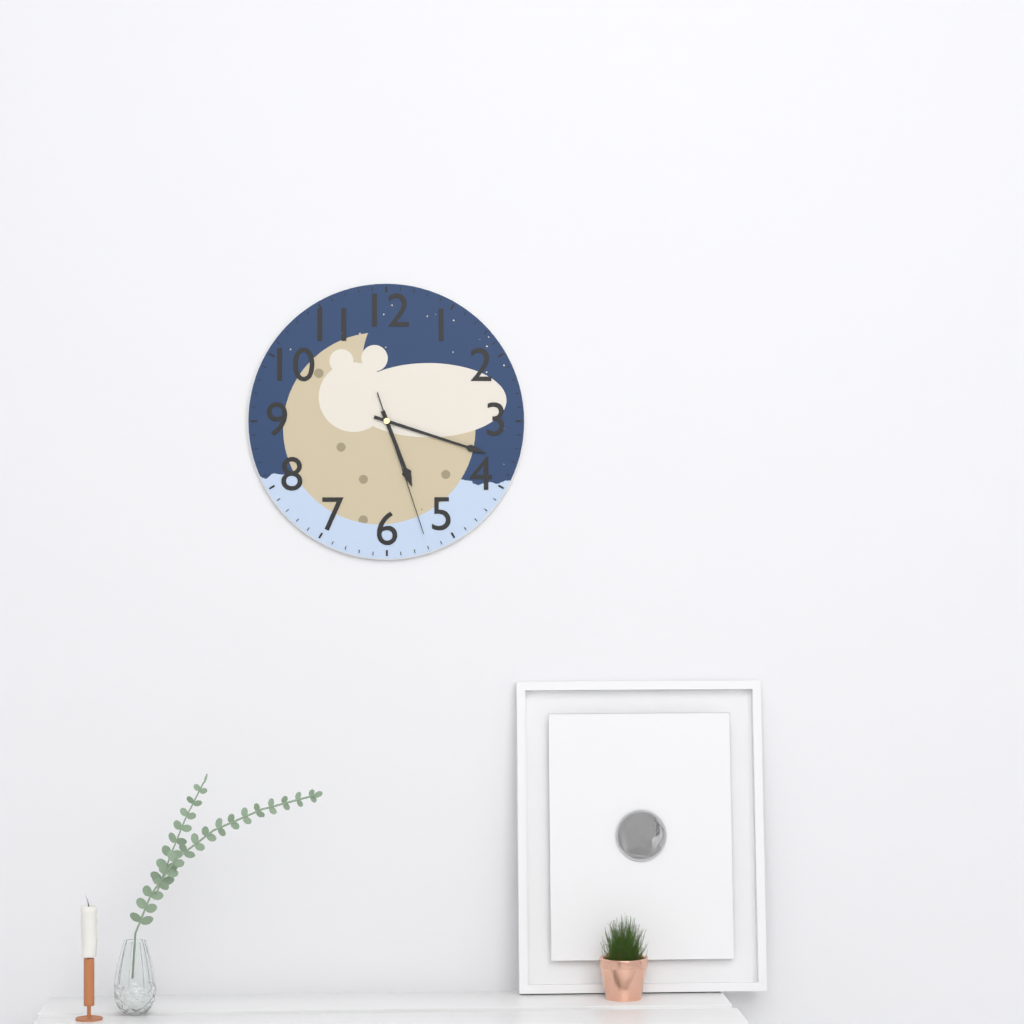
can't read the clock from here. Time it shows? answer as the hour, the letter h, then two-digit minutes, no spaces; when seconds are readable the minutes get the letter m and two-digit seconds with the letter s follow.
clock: 5h18m27s
